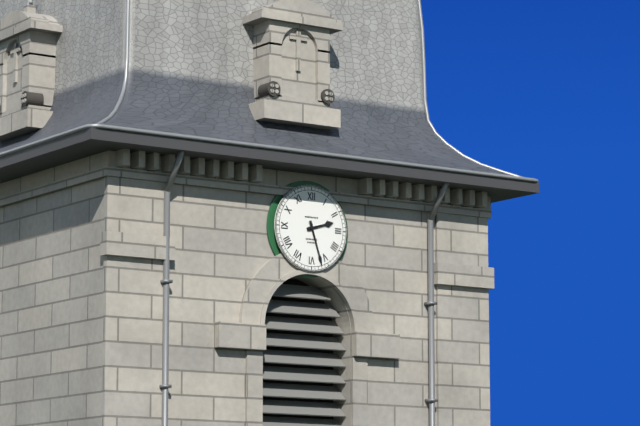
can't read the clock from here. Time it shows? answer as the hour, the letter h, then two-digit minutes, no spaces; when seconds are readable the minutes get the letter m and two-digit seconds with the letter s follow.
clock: 2h27
